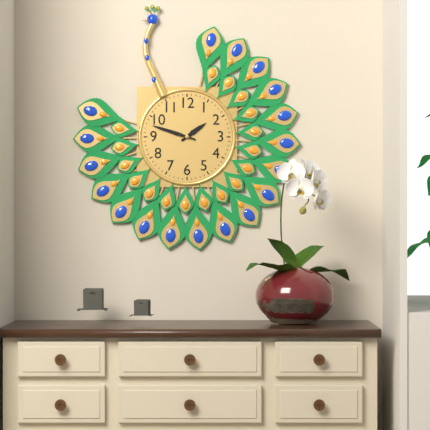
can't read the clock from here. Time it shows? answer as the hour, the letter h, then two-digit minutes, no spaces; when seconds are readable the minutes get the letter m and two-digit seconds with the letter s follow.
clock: 1h48
